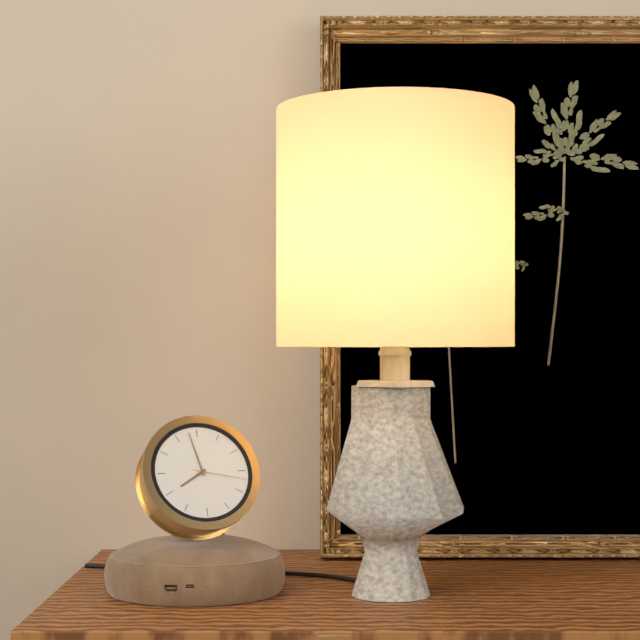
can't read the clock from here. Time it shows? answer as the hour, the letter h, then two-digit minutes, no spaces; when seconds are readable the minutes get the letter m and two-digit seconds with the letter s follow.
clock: 7h58m17s
